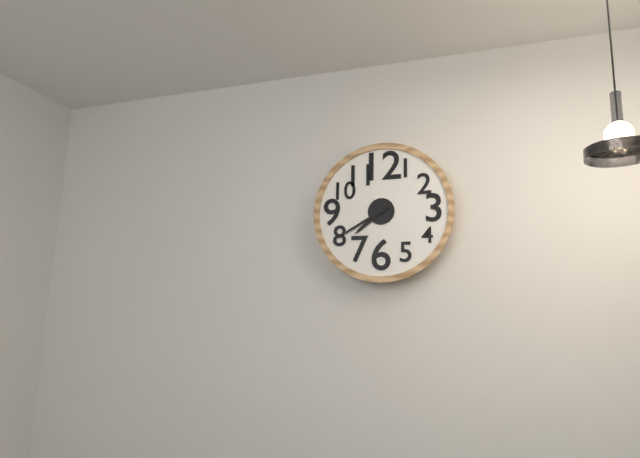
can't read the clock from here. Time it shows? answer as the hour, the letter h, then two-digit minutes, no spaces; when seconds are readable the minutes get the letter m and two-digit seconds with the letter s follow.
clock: 7h40
